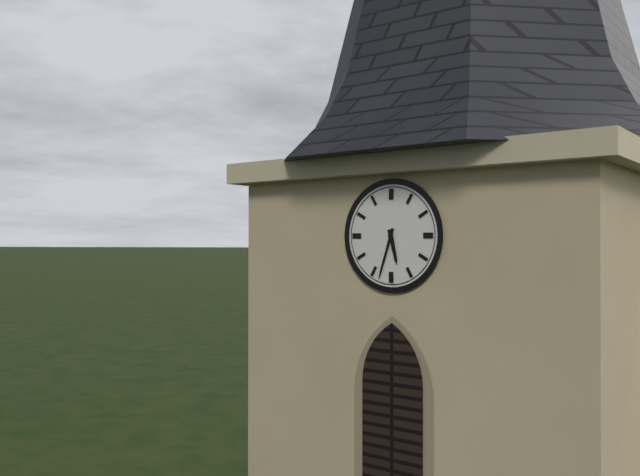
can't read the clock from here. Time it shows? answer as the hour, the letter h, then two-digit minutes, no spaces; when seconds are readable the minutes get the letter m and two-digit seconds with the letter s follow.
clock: 5h33
